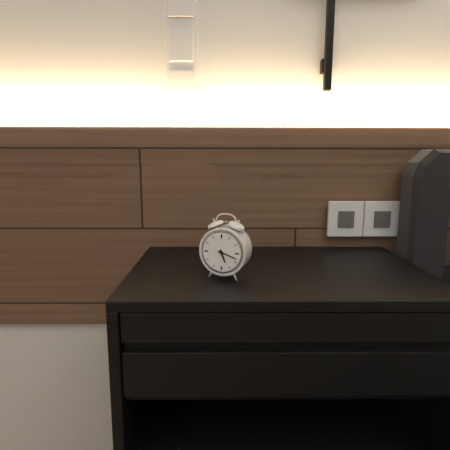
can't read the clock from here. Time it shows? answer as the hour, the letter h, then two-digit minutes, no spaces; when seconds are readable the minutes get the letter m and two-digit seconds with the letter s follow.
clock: 5h18
